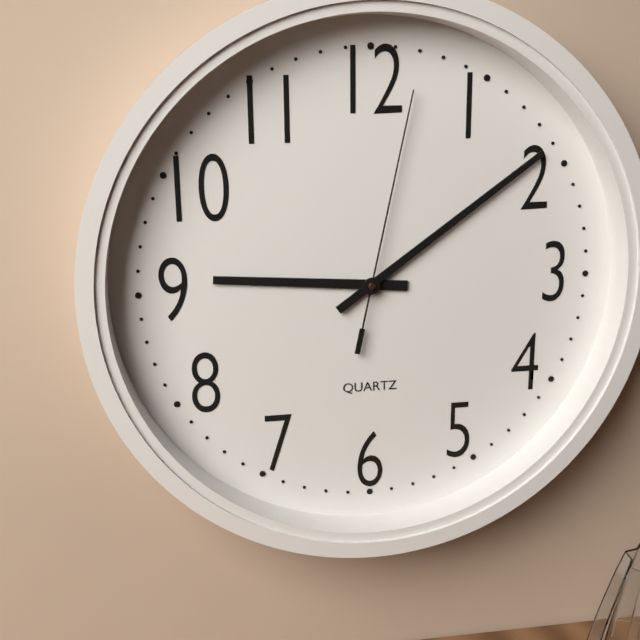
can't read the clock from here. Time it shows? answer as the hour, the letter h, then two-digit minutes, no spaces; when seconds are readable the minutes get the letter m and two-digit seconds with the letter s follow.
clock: 9h09m02s
